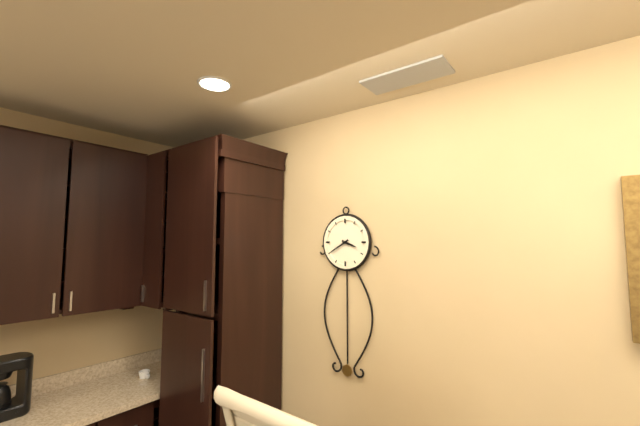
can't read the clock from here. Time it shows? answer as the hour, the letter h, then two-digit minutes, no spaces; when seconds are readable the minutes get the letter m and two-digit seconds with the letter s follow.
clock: 3h40
